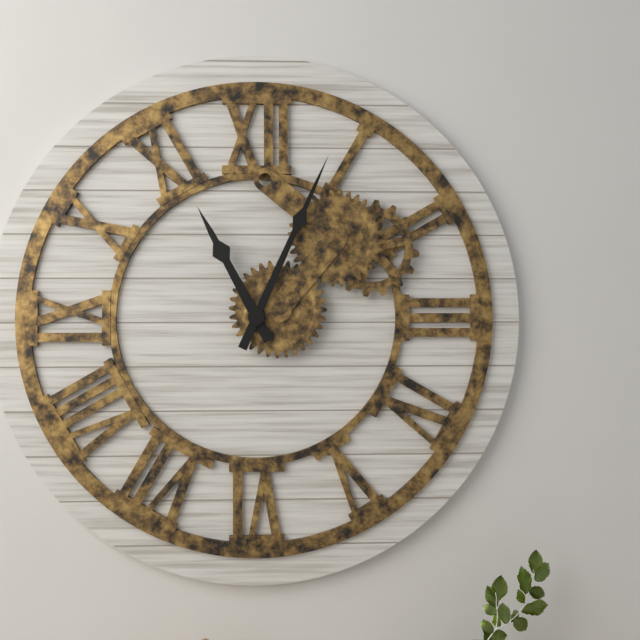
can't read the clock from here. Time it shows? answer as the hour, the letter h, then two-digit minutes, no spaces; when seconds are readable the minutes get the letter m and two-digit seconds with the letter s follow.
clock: 11h04
